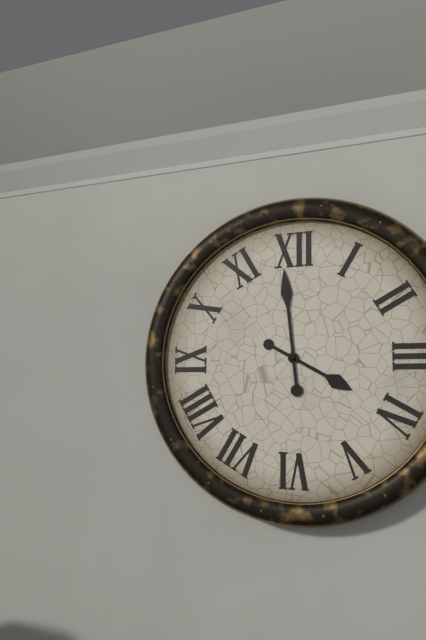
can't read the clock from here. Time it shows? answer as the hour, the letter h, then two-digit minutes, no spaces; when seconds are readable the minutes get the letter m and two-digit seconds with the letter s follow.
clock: 3h59
